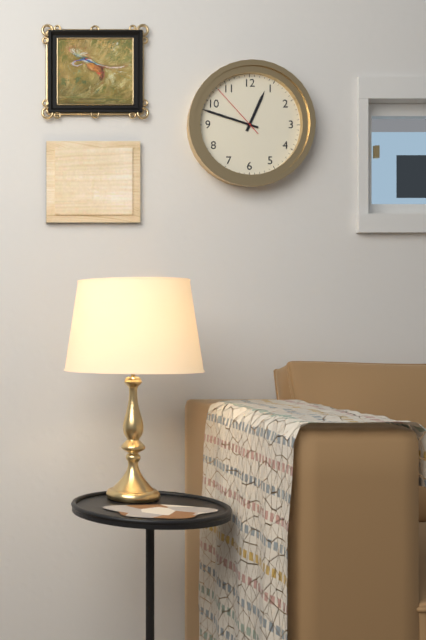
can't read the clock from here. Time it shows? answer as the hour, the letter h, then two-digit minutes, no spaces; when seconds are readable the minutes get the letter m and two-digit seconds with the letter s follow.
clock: 12h48m53s
